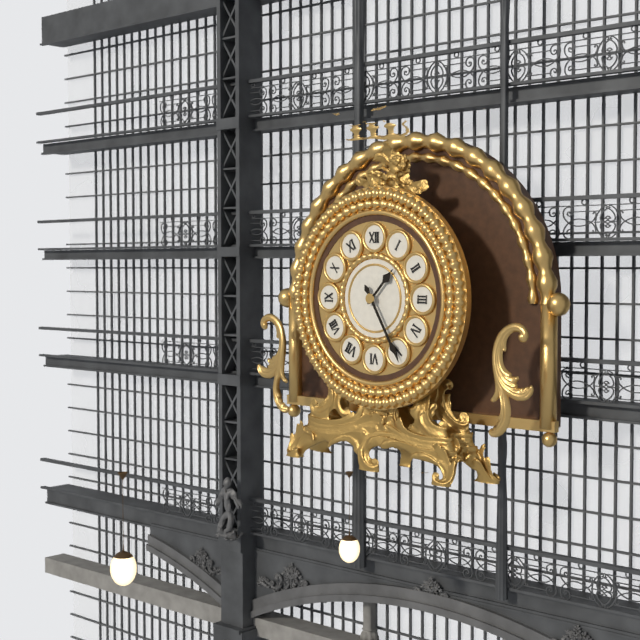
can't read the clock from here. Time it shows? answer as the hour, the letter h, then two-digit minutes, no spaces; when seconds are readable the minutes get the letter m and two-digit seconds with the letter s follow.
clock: 1h25
